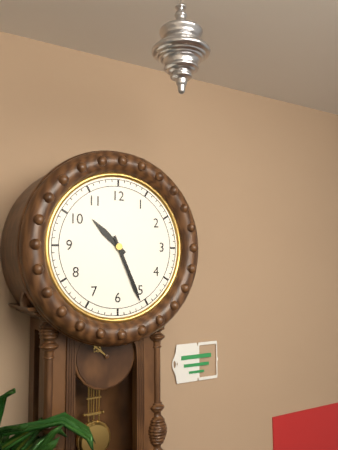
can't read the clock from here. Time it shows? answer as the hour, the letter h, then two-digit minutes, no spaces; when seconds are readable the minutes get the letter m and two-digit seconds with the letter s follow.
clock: 10h26
